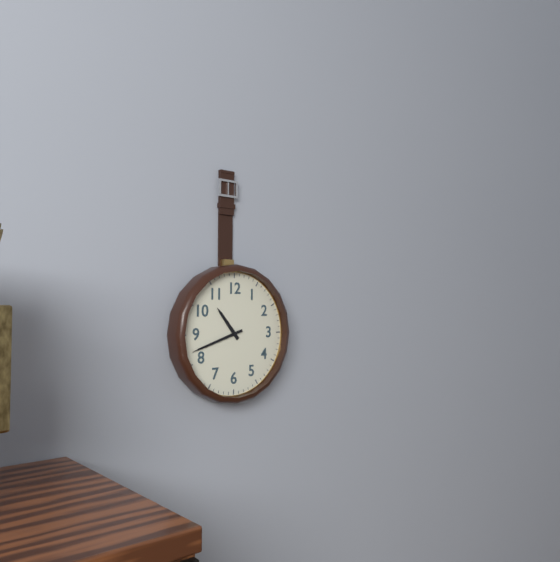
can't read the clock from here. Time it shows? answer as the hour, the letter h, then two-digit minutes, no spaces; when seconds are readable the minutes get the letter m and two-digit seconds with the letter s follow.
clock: 10h42
